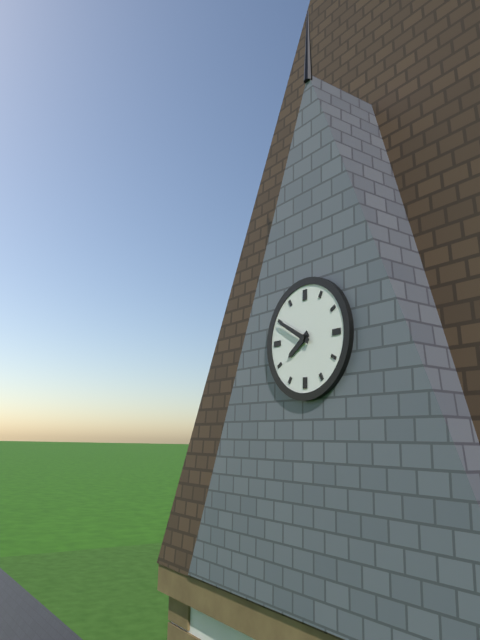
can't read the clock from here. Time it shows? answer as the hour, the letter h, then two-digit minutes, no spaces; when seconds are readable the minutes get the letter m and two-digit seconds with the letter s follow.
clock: 7h50
